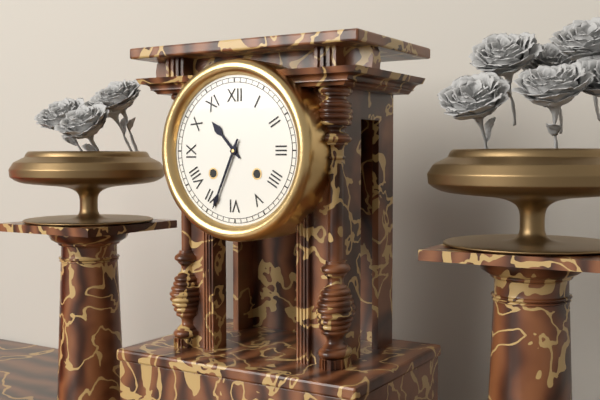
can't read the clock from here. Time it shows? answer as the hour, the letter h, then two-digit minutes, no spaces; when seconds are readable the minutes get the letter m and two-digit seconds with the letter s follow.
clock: 10h34
